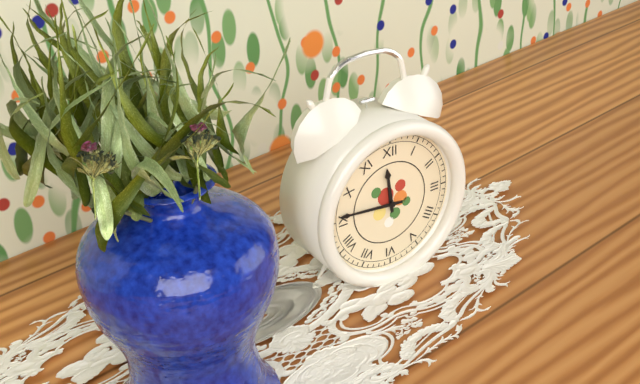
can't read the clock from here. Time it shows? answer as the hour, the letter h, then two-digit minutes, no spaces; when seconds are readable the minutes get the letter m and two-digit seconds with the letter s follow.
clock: 11h46
